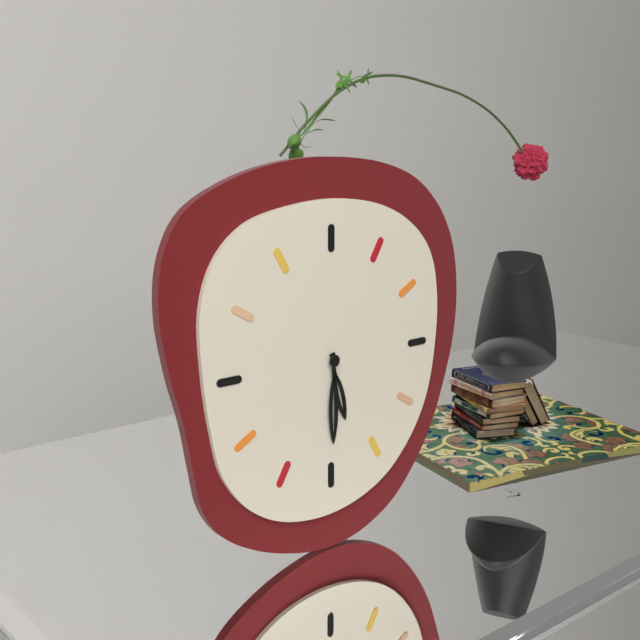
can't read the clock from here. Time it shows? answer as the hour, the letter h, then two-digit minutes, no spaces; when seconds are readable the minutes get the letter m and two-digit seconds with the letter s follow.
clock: 5h30
